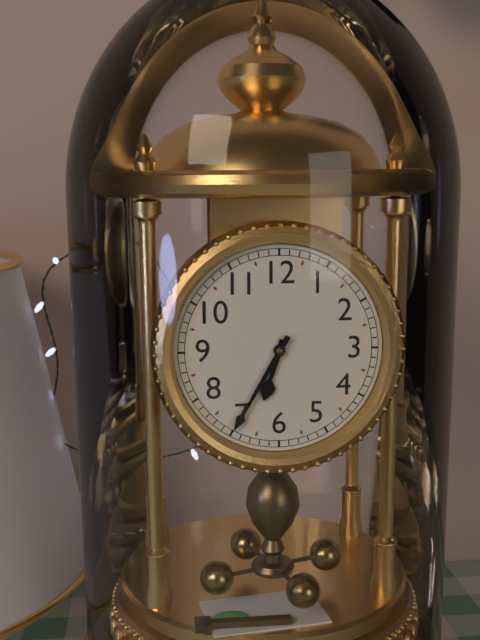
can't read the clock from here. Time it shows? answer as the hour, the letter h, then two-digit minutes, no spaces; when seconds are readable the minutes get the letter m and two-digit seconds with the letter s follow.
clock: 6h35
